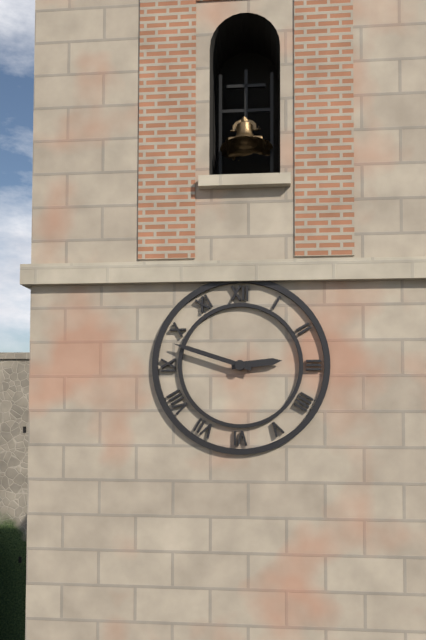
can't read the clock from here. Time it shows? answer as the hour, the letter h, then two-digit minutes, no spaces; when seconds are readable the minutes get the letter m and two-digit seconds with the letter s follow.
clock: 2h48
